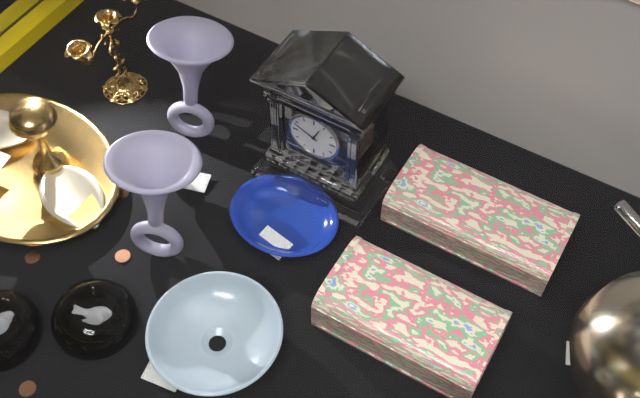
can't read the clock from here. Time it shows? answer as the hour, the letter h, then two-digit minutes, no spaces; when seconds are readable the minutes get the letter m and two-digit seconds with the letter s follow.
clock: 12h49
